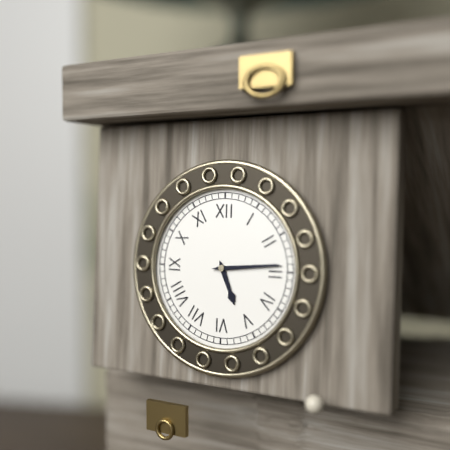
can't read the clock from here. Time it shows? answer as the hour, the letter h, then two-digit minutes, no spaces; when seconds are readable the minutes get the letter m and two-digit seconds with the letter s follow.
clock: 5h14
